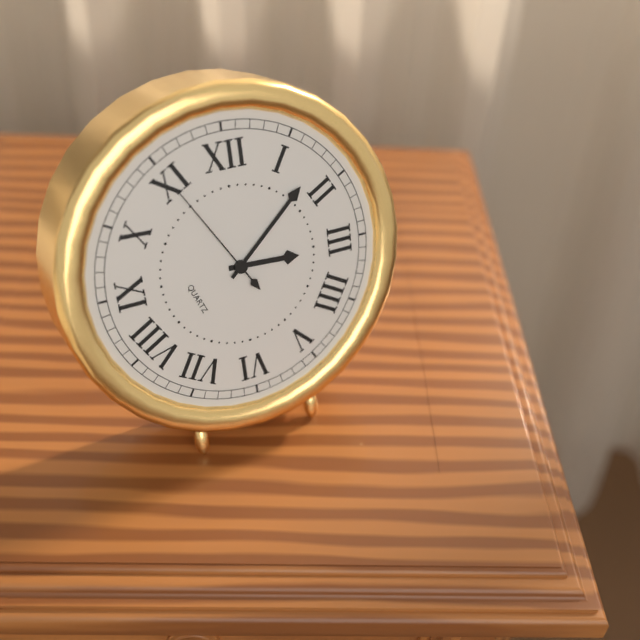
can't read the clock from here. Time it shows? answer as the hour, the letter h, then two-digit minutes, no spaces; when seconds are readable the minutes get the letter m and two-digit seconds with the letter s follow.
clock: 3h08m55s
